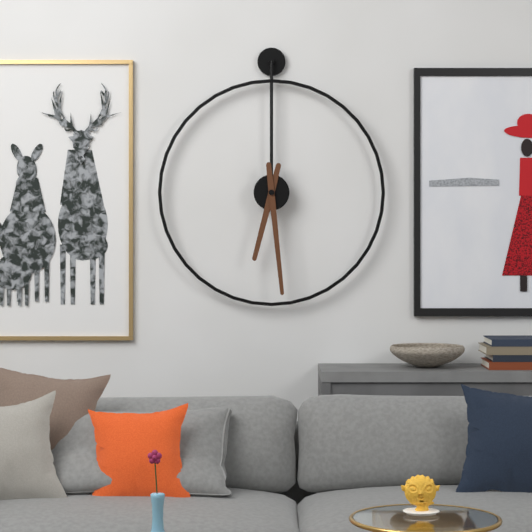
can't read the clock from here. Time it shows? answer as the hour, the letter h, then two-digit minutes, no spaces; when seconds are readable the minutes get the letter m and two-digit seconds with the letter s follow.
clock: 6h29
